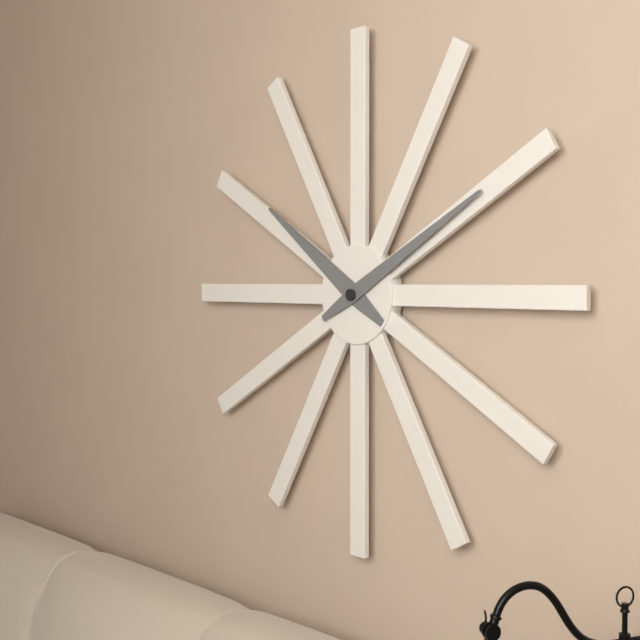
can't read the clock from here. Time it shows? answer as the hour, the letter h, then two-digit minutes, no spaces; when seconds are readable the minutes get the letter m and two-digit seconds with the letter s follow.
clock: 10h10
